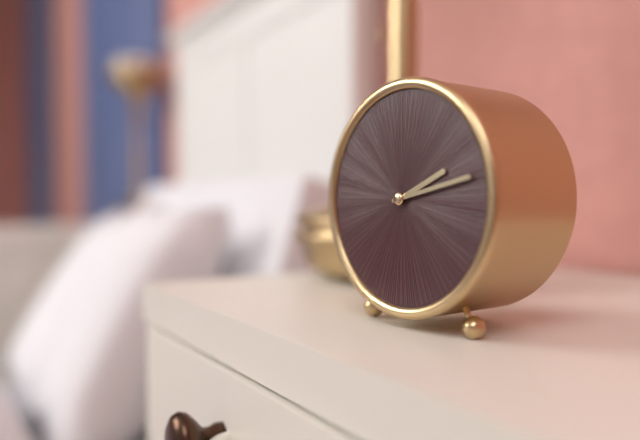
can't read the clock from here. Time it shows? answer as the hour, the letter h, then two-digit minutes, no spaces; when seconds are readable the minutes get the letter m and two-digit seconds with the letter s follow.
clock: 2h13
